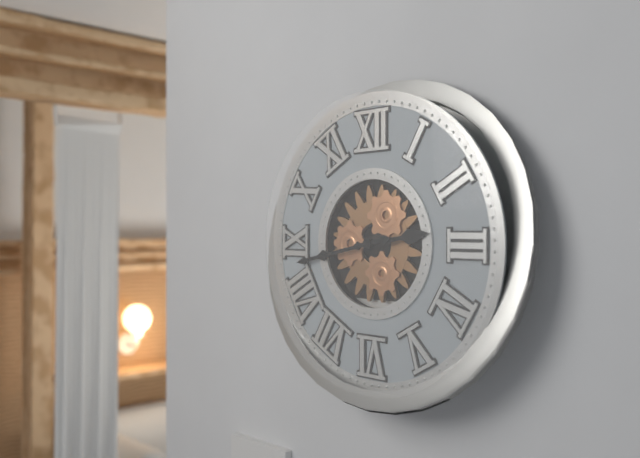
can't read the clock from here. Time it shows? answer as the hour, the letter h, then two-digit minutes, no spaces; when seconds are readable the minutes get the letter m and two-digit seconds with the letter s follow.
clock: 2h43
